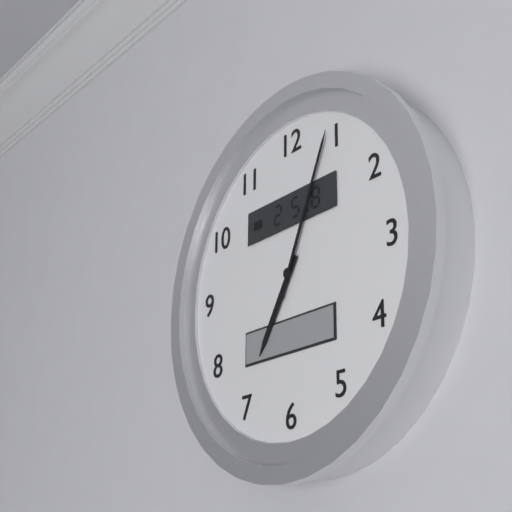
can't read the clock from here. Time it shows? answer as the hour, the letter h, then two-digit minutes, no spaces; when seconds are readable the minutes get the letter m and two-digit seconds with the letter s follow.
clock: 7h04
